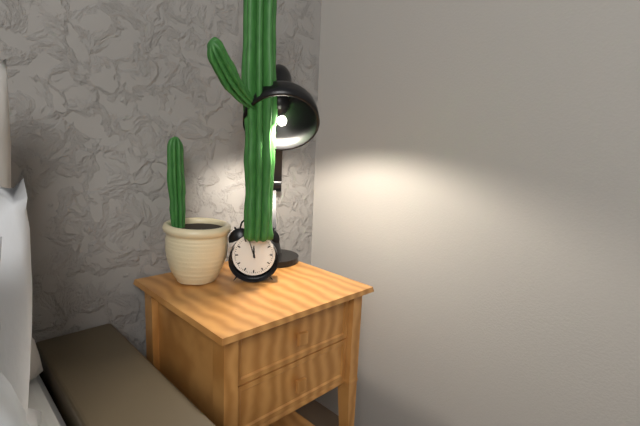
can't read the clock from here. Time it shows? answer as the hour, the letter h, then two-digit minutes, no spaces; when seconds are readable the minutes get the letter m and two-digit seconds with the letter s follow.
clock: 11h57
